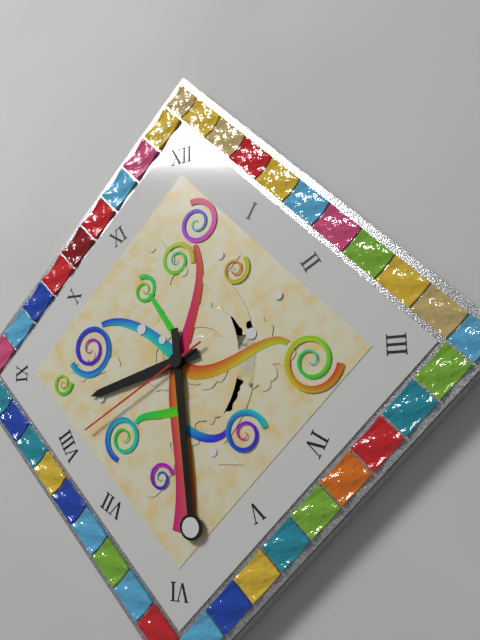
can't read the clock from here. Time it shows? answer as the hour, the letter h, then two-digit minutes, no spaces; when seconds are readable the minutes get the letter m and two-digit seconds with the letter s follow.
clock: 8h29m40s
